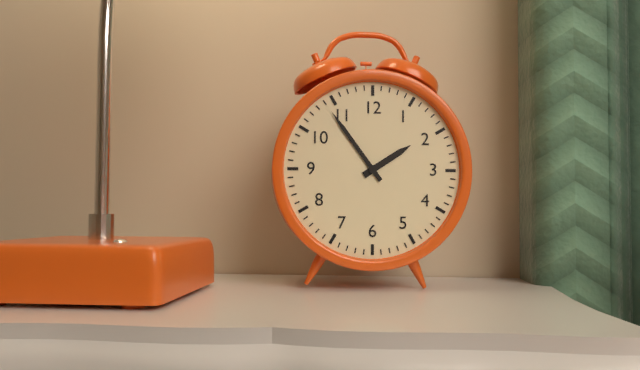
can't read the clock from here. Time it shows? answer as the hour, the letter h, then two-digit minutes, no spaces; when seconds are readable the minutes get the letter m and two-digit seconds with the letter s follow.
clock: 1h54
